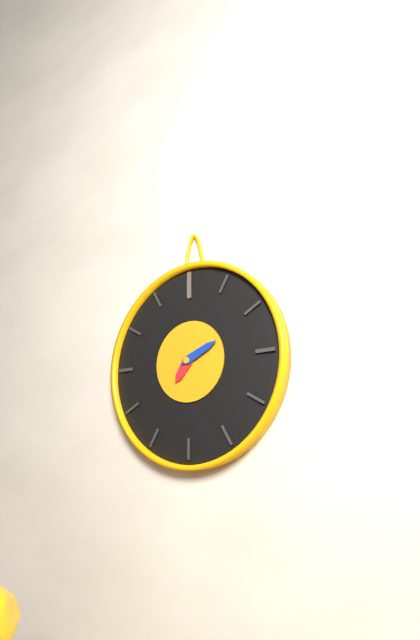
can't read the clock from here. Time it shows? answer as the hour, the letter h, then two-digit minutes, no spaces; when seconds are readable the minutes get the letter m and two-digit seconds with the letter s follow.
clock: 7h11
